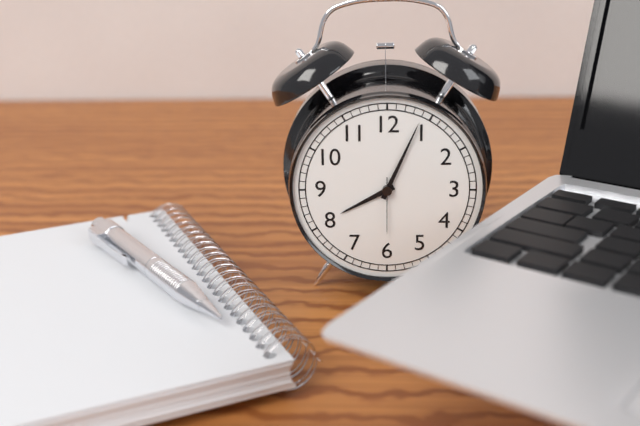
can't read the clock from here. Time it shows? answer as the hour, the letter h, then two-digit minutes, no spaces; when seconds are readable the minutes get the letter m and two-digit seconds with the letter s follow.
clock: 8h04m30s
